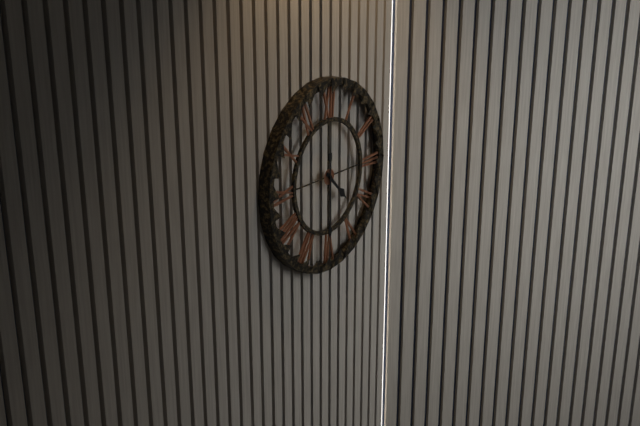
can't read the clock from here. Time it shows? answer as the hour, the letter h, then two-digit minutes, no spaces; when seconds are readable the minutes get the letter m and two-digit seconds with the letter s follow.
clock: 4h30
